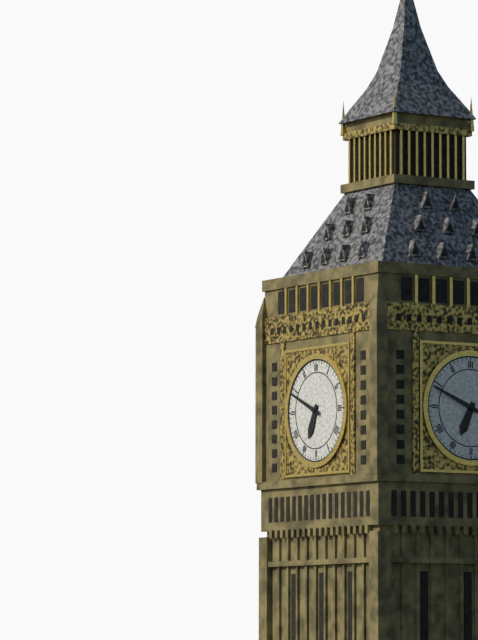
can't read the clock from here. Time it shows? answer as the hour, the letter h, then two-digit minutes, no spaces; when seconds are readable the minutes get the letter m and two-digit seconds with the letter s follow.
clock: 6h49
